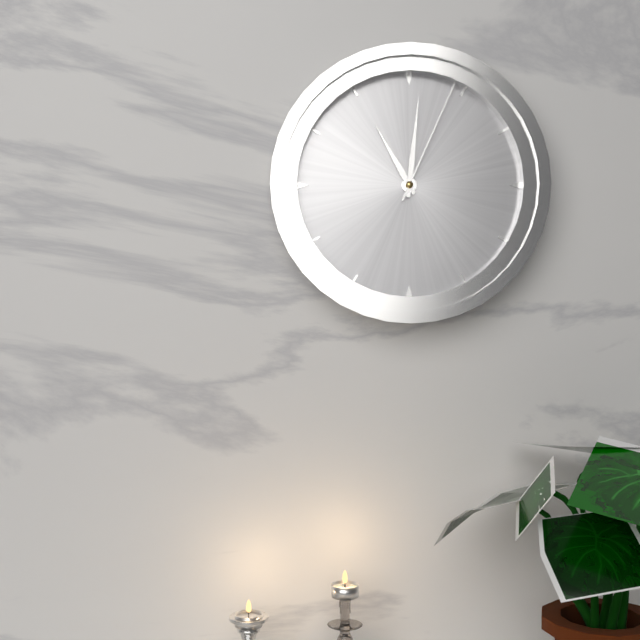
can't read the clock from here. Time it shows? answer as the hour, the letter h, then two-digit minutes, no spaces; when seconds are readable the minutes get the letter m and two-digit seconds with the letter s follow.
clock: 11h01m04s
